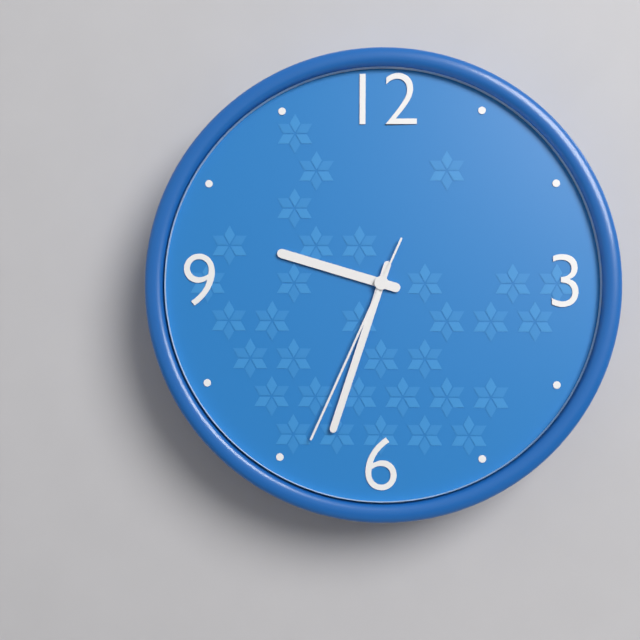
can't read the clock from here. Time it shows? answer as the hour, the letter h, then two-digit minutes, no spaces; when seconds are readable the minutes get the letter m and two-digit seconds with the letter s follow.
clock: 9h33m34s
